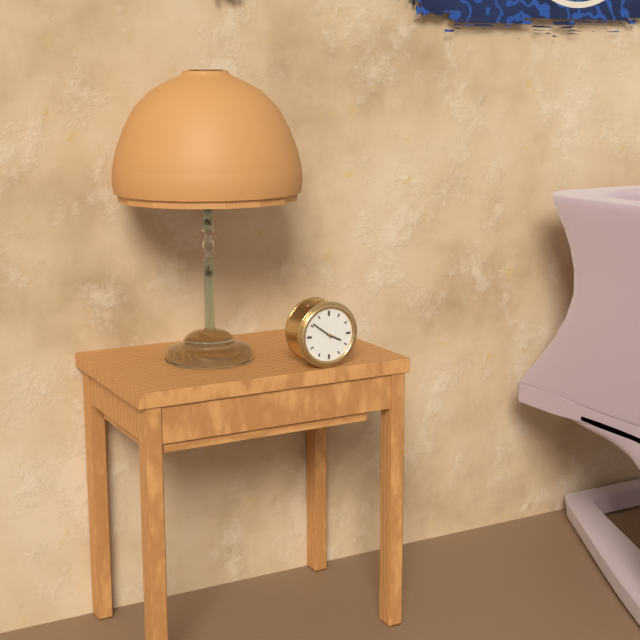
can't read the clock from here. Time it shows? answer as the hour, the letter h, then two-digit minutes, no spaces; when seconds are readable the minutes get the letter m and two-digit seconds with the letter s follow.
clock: 3h51
